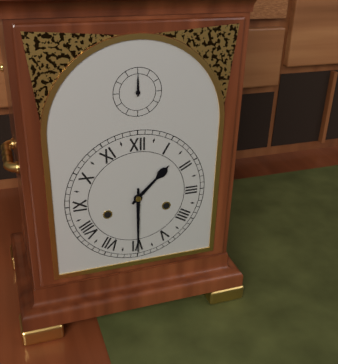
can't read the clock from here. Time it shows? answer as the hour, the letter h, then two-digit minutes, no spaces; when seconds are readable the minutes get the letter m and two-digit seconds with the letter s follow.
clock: 1h30
